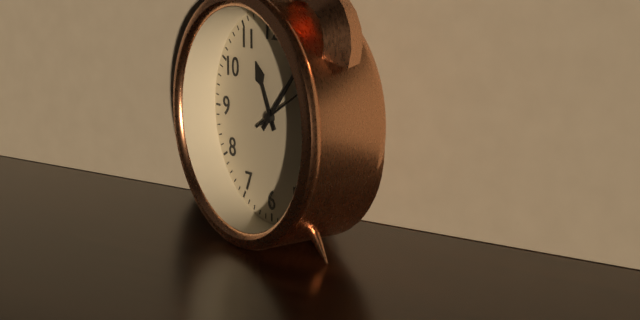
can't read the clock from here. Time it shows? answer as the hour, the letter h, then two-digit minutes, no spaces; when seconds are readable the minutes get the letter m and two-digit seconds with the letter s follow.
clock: 11h07
